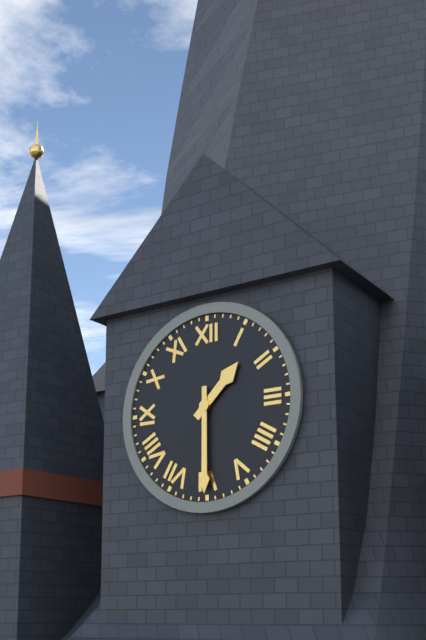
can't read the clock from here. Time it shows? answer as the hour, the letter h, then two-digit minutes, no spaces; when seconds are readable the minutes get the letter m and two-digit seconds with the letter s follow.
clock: 1h30
